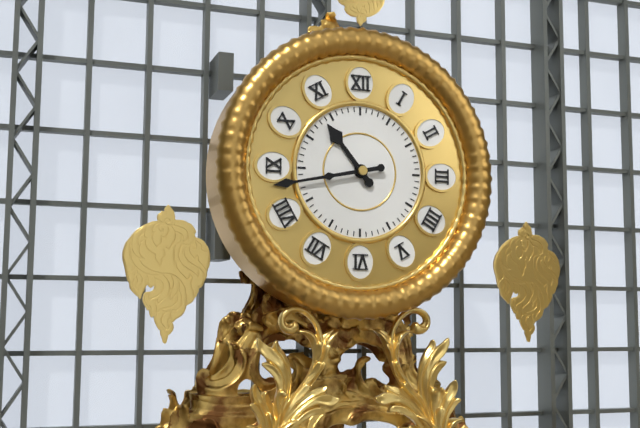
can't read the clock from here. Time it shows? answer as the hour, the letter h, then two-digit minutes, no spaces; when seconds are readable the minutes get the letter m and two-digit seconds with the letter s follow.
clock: 10h43
